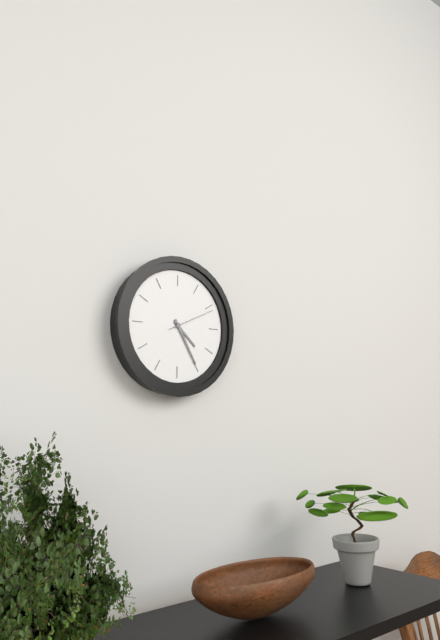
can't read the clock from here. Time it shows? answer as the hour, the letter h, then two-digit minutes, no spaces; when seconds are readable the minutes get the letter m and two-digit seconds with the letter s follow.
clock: 4h25
